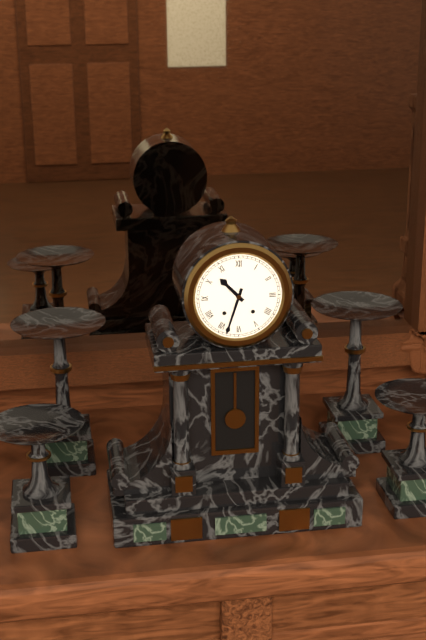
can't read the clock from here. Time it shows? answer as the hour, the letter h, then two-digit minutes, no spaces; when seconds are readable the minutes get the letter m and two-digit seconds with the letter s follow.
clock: 10h33
